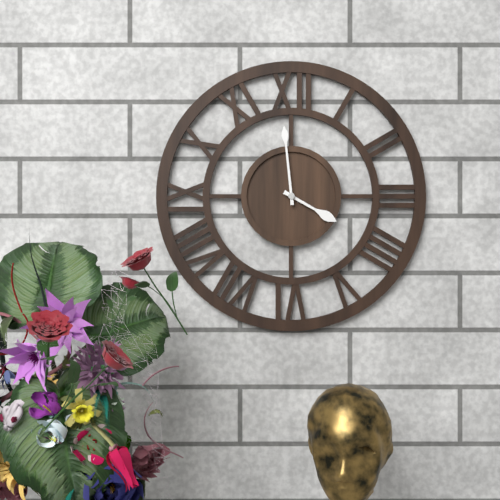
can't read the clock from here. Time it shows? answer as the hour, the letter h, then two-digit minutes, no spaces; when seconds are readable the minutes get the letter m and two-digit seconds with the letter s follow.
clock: 3h59
